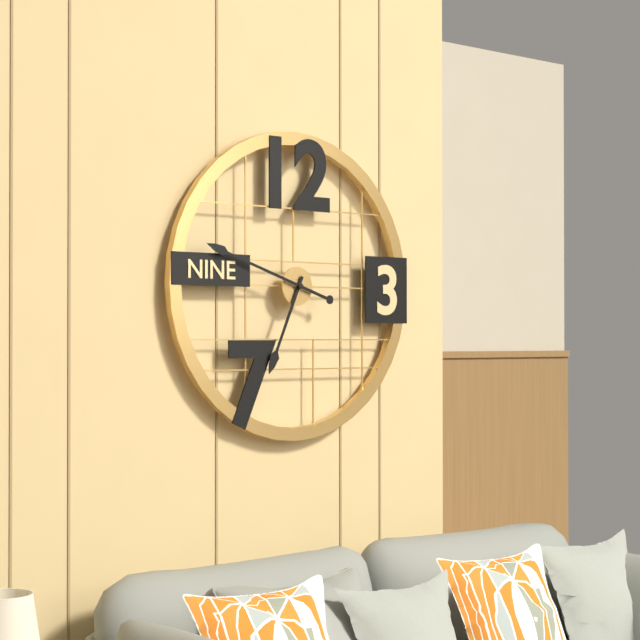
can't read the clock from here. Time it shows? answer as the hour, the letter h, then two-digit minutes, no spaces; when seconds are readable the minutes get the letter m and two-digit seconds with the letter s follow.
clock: 6h48
